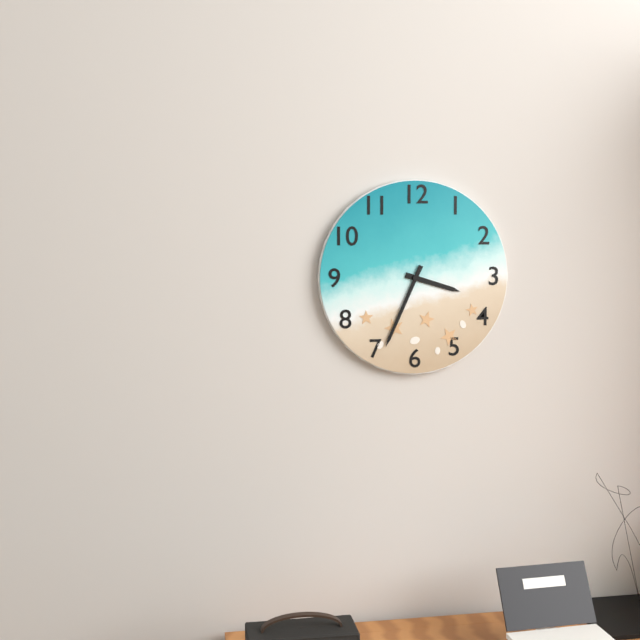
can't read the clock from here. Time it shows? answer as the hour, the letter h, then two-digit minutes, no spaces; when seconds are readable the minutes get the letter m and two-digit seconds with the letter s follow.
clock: 3h34
